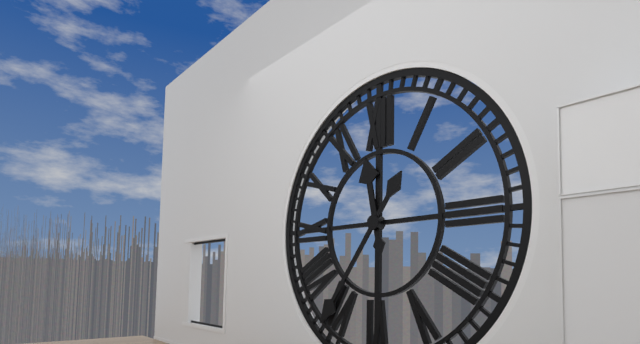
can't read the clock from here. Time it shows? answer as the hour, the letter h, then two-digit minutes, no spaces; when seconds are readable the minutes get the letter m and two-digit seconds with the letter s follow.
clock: 11h36
